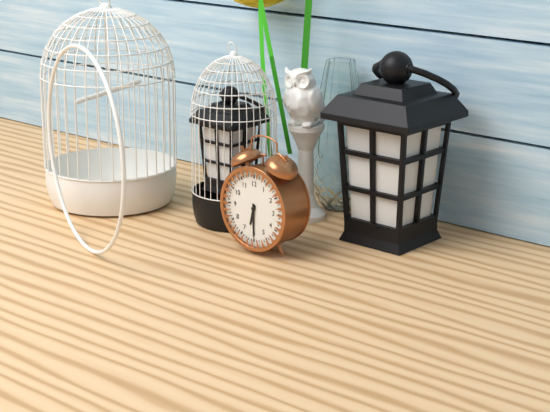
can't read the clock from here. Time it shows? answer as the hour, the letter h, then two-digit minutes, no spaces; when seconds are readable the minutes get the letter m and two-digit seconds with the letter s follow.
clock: 6h30
